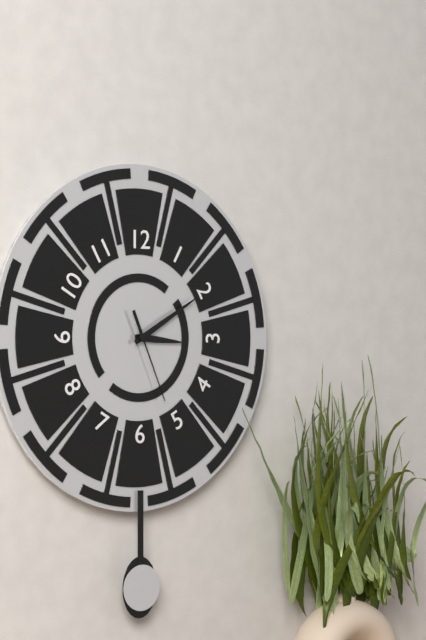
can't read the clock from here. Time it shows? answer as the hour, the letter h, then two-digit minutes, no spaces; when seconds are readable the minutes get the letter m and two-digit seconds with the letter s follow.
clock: 3h10m26s
